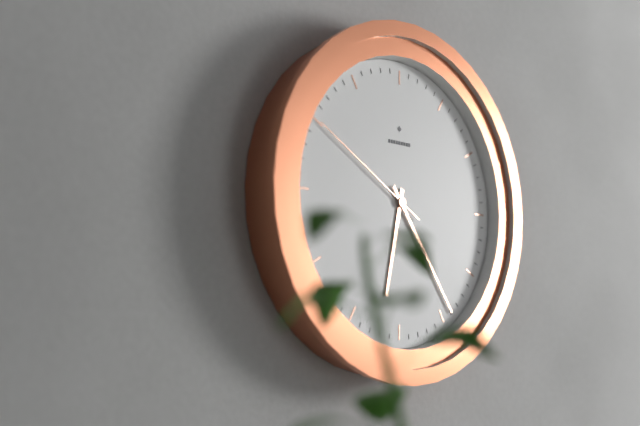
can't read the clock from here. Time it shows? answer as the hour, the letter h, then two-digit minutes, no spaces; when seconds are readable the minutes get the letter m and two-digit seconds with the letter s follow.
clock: 6h24m50s
